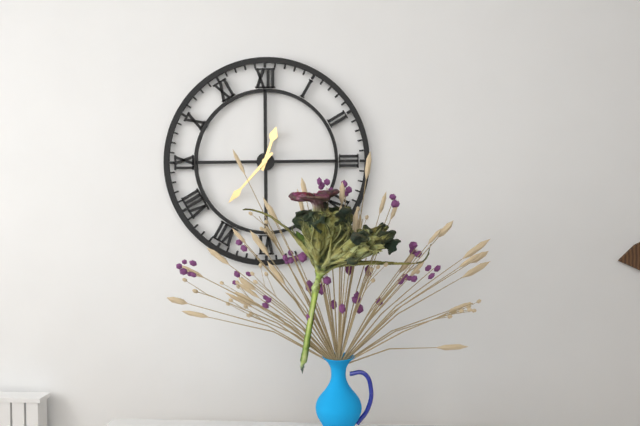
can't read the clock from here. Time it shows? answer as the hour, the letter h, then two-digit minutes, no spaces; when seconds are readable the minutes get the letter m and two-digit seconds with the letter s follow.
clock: 12h37
